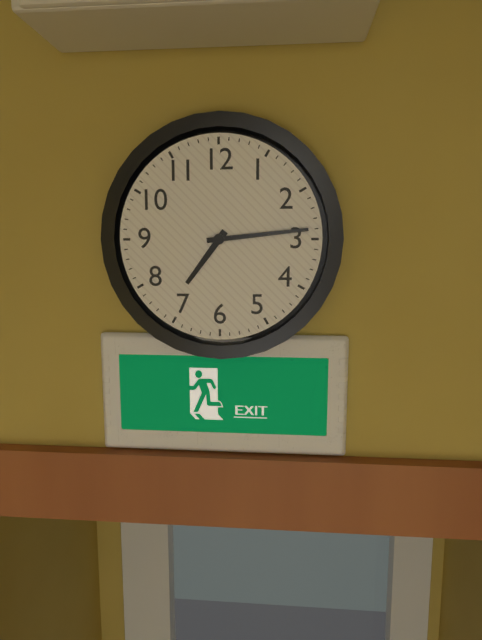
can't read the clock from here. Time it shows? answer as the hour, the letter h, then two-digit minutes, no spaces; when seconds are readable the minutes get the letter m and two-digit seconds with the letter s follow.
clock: 7h14
